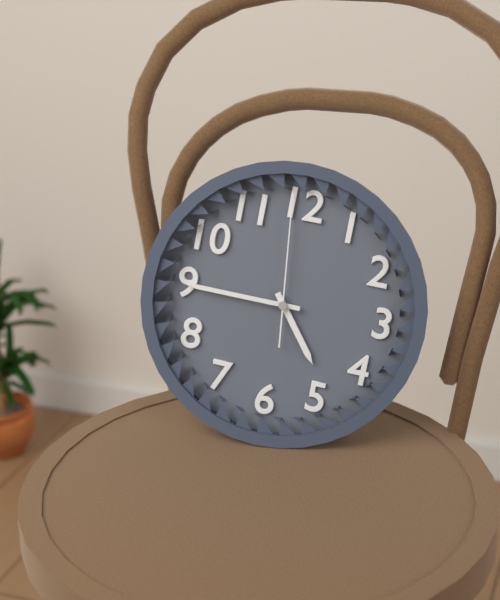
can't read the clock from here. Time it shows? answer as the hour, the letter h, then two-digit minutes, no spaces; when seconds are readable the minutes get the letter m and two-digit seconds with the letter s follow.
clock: 4h45m59s
